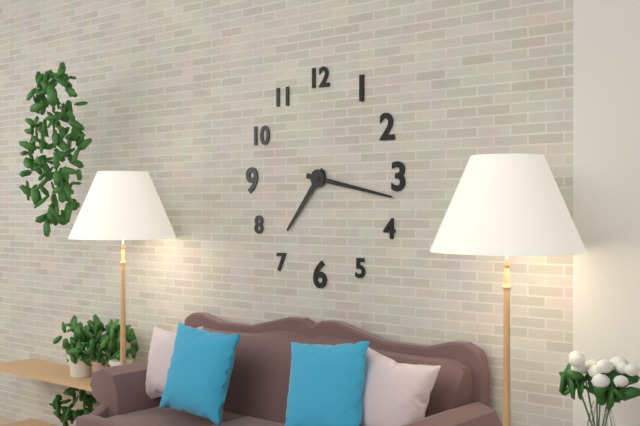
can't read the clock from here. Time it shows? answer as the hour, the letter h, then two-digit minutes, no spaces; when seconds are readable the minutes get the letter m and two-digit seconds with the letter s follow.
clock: 7h17
